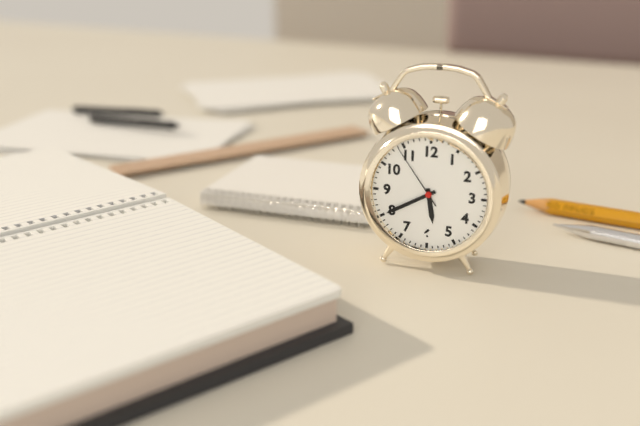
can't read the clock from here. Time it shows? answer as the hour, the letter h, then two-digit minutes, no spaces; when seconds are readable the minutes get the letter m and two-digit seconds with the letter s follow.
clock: 5h40m54s
